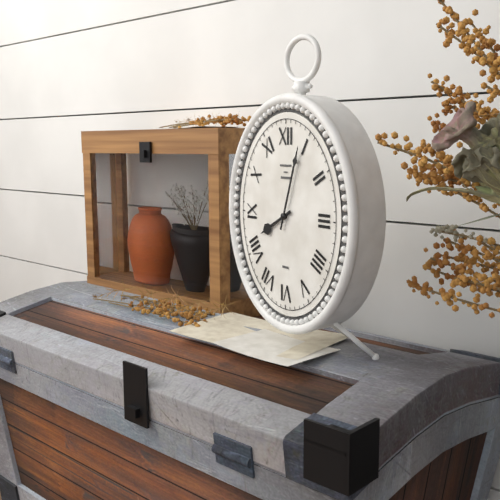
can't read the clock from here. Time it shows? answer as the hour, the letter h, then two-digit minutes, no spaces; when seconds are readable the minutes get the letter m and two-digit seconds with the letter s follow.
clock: 8h03
